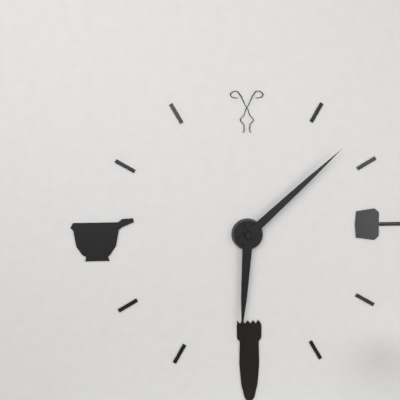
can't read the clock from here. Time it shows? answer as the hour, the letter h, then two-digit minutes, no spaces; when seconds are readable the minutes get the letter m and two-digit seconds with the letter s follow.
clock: 6h08
